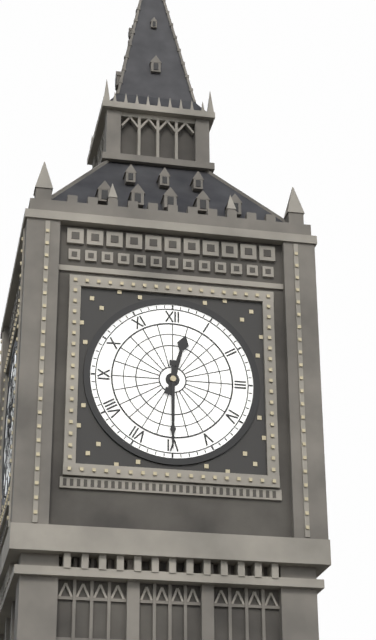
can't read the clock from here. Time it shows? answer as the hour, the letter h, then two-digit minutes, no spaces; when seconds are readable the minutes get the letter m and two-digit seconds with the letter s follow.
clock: 12h30
